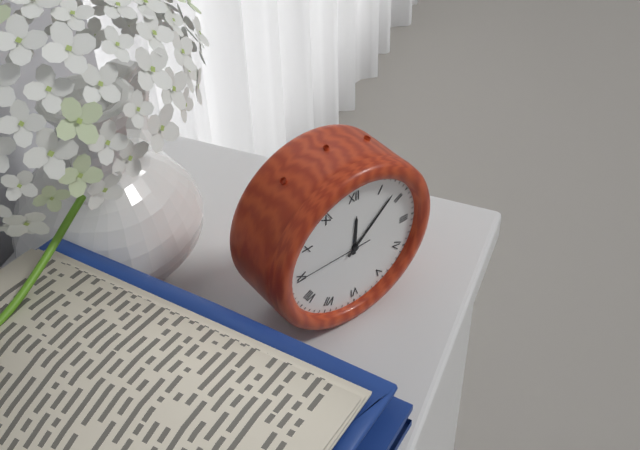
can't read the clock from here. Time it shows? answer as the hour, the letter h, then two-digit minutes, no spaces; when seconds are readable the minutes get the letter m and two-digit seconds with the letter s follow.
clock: 12h08m45s
